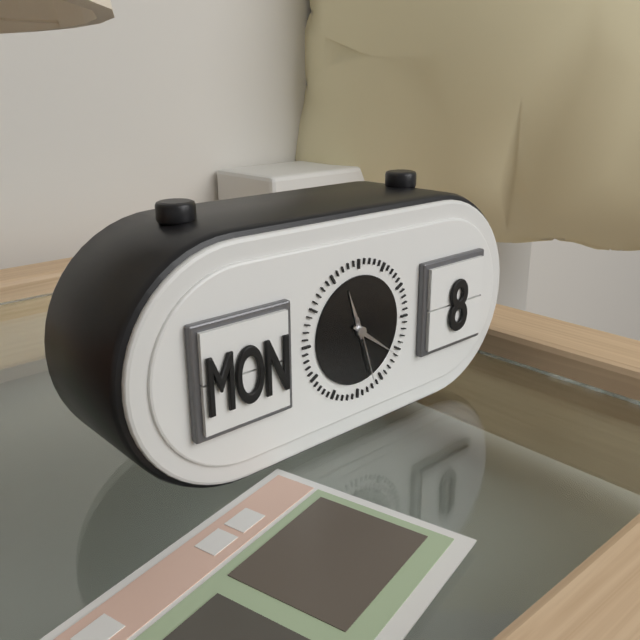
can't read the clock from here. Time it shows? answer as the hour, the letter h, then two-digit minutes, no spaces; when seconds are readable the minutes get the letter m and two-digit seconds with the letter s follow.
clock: 11h21m27s
